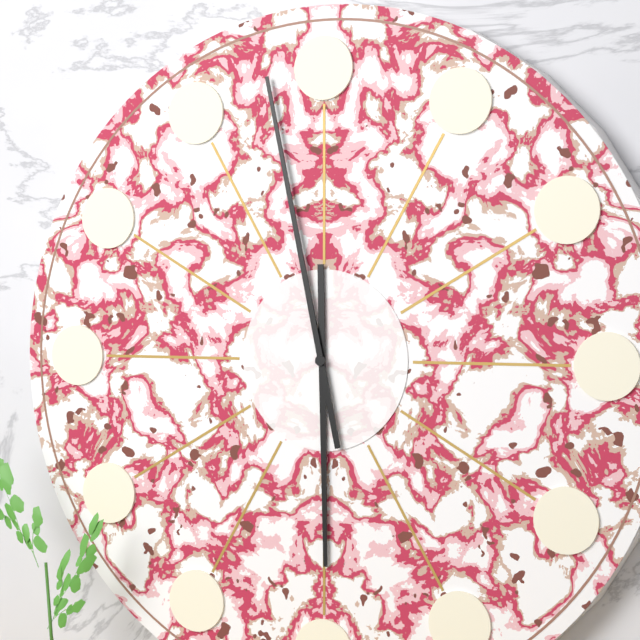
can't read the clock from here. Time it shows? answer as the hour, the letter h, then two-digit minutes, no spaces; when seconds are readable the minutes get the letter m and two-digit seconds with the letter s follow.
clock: 5h58
